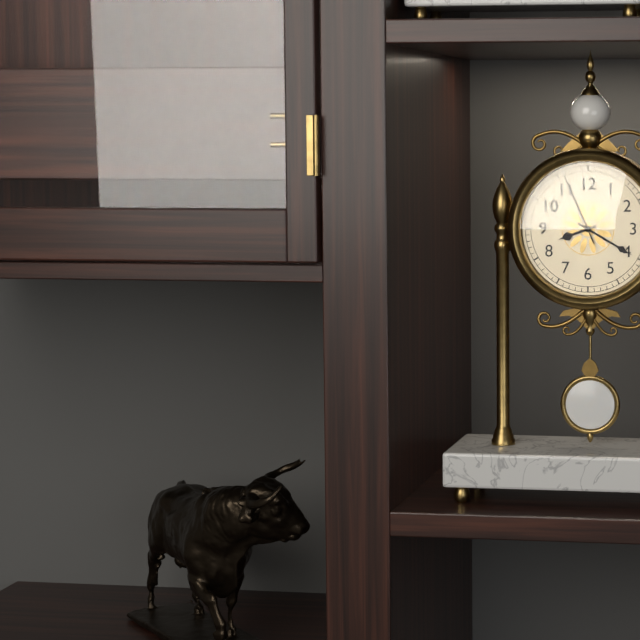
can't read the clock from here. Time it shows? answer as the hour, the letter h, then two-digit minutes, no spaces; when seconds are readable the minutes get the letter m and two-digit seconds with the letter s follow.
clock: 8h20m56s
